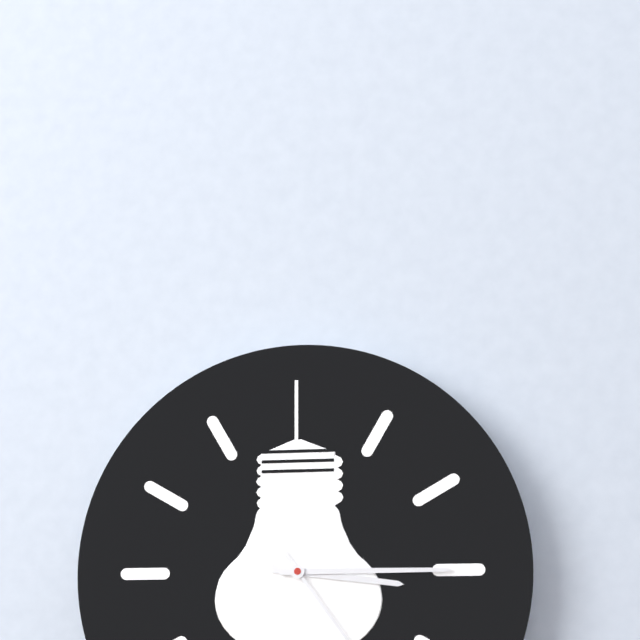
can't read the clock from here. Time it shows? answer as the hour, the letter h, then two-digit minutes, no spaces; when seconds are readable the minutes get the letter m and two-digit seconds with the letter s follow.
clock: 3h15
